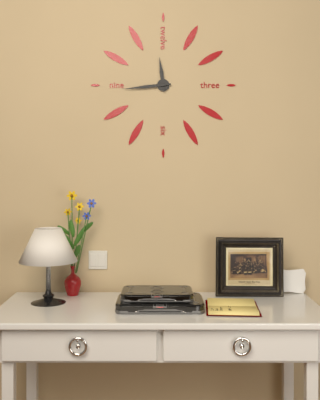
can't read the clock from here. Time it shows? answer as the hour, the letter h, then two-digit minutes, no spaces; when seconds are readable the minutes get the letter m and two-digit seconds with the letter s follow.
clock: 11h44
